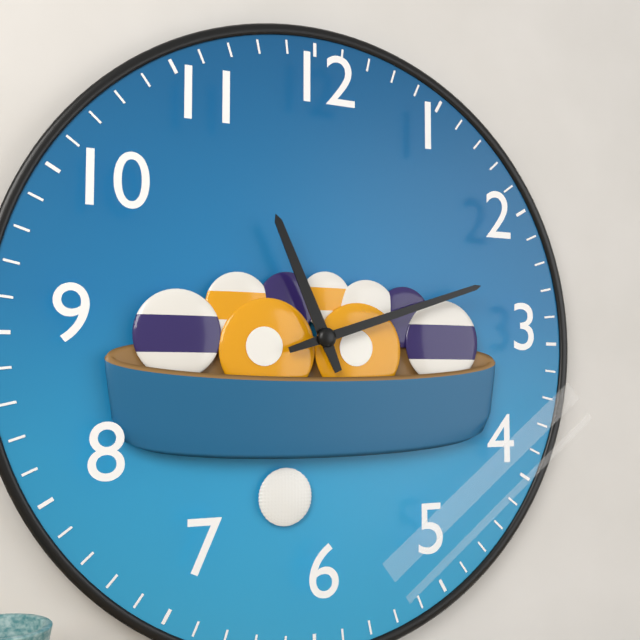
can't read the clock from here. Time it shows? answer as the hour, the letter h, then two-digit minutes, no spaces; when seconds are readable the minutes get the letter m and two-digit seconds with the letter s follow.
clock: 11h12
